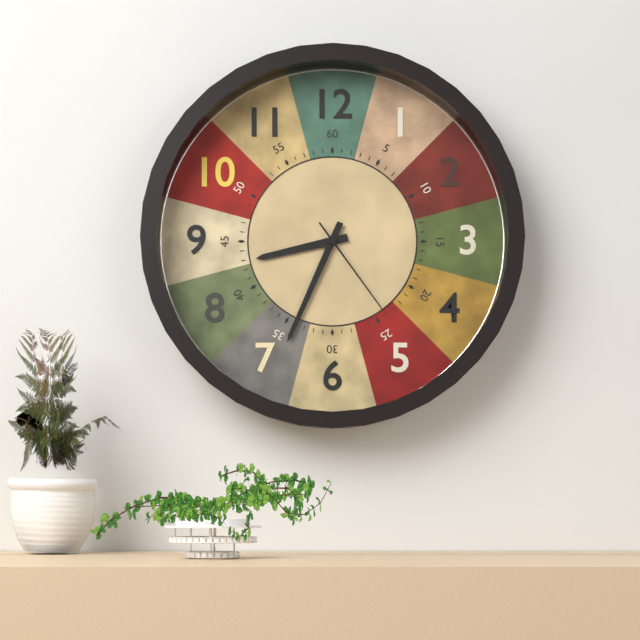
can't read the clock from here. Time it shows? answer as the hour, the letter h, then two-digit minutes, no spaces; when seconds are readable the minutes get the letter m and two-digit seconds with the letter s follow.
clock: 8h34m24s
